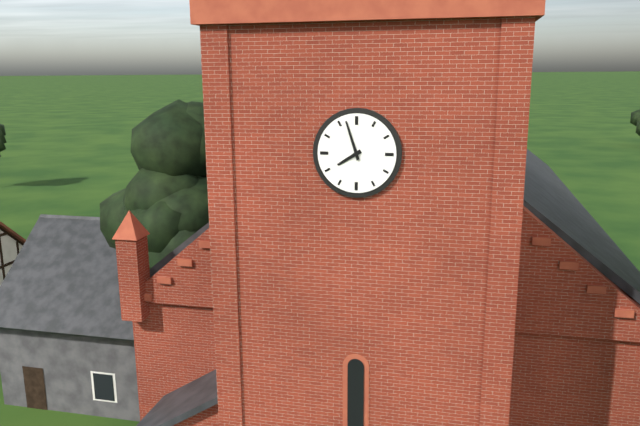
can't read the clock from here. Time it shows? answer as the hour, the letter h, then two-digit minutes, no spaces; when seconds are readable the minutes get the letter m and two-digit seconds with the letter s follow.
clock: 7h57
